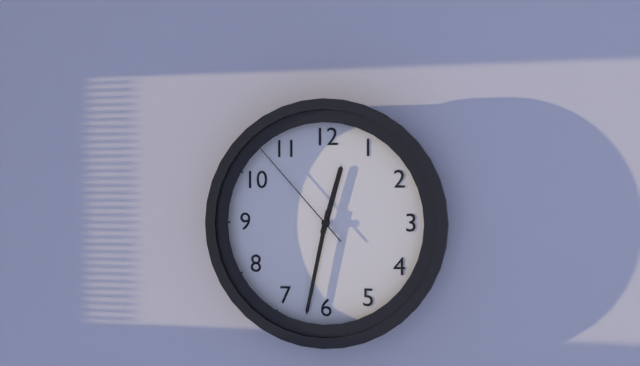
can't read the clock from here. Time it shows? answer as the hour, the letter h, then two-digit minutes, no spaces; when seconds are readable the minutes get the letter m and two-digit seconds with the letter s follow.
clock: 12h32m53s
